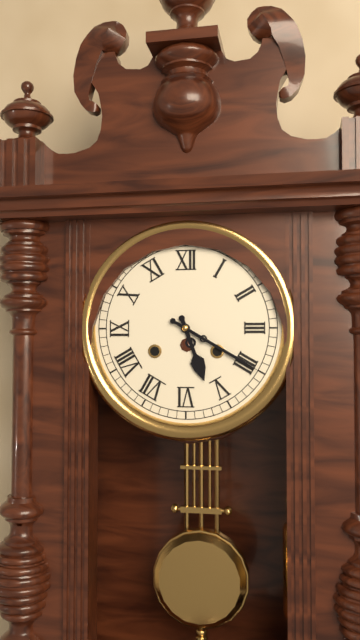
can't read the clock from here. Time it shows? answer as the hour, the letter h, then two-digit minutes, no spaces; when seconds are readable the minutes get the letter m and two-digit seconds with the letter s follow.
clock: 5h20
